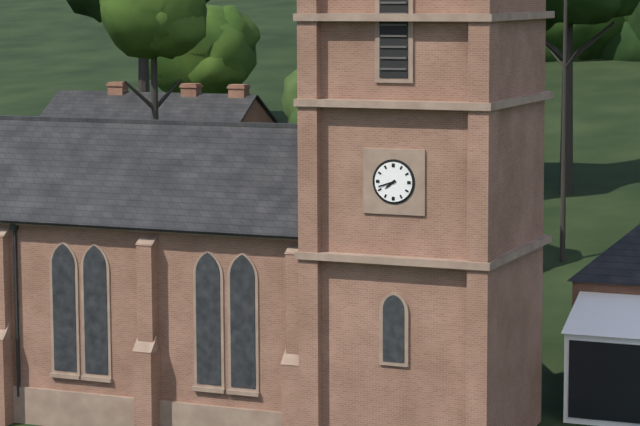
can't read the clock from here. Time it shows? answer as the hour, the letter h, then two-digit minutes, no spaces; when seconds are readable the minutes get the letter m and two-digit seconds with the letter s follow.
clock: 7h42
